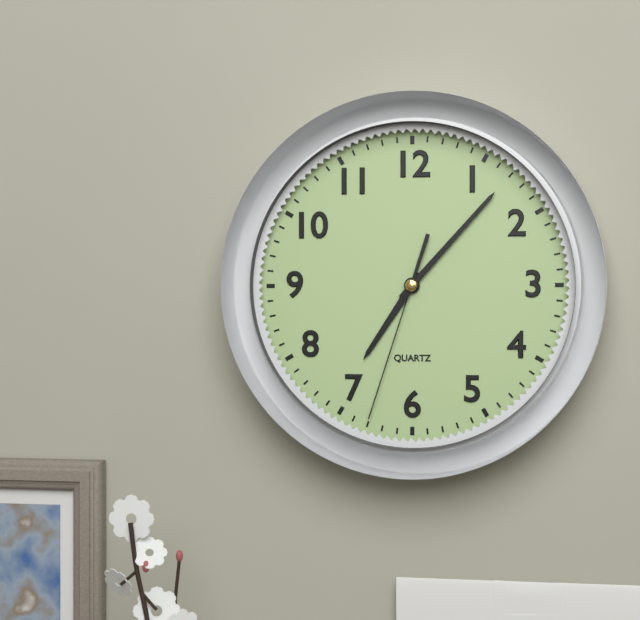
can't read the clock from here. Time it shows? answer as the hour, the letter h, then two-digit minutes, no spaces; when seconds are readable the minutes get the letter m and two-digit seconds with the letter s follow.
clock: 7h07m33s
